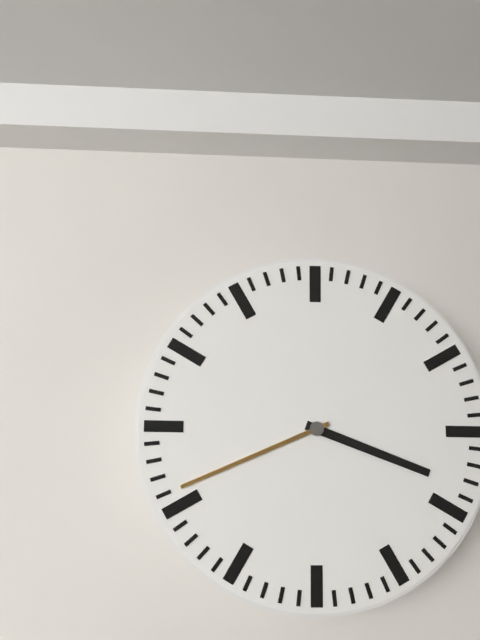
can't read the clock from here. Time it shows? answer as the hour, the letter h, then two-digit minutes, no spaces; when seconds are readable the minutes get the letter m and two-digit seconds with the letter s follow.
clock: 3h41
